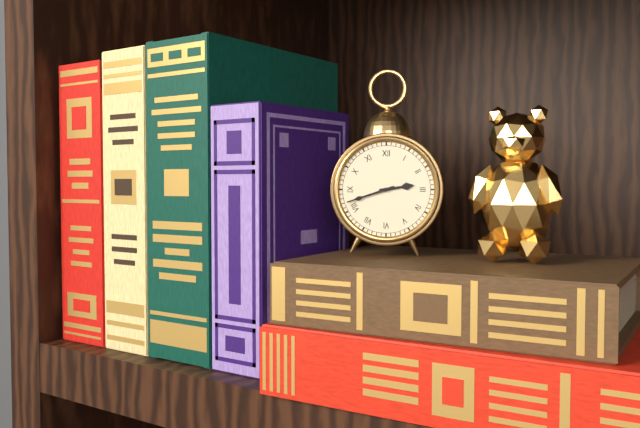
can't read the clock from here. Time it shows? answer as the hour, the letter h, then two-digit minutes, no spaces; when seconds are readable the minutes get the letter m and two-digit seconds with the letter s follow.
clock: 2h42
